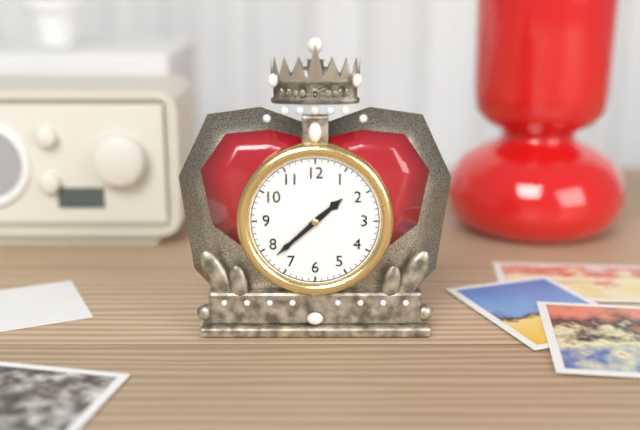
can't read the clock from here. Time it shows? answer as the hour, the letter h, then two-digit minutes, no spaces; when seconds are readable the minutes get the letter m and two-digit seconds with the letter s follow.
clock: 1h38
